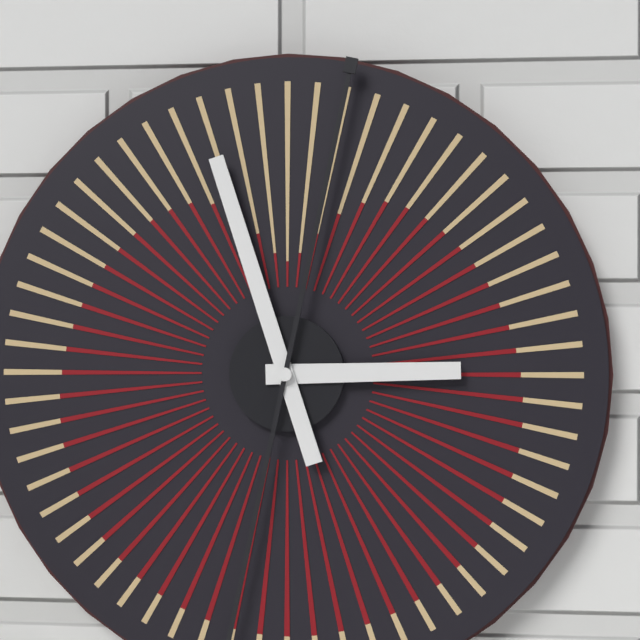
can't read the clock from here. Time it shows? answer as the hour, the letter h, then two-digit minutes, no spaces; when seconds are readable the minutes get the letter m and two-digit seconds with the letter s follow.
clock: 2h57
